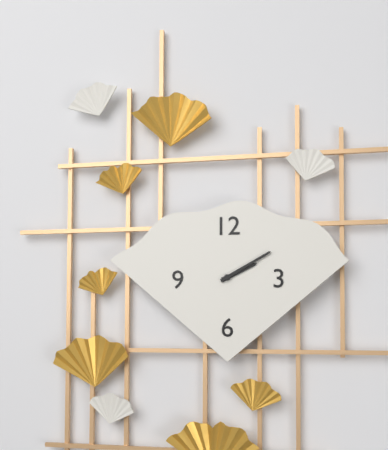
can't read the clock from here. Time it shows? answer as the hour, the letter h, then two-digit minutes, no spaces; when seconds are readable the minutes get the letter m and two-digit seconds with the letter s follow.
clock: 2h10
